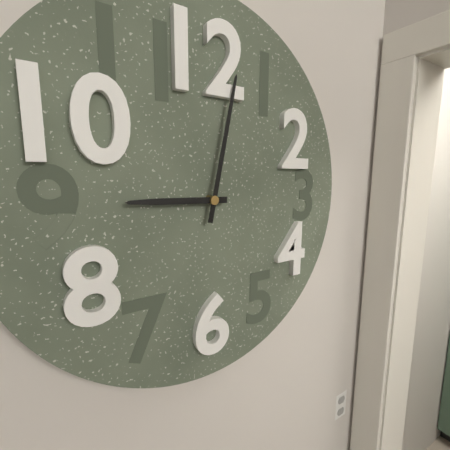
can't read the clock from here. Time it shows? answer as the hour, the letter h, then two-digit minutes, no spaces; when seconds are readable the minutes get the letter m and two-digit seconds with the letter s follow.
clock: 9h02
